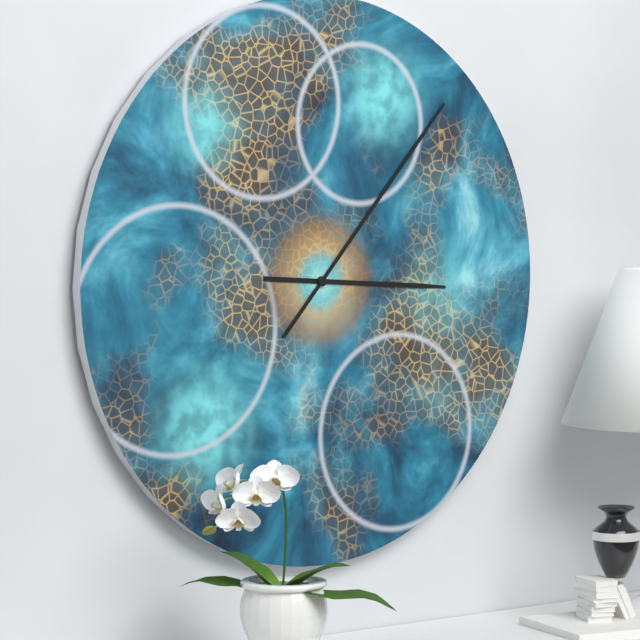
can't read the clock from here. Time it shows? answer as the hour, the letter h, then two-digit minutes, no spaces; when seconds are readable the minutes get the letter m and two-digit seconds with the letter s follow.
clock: 3h07
